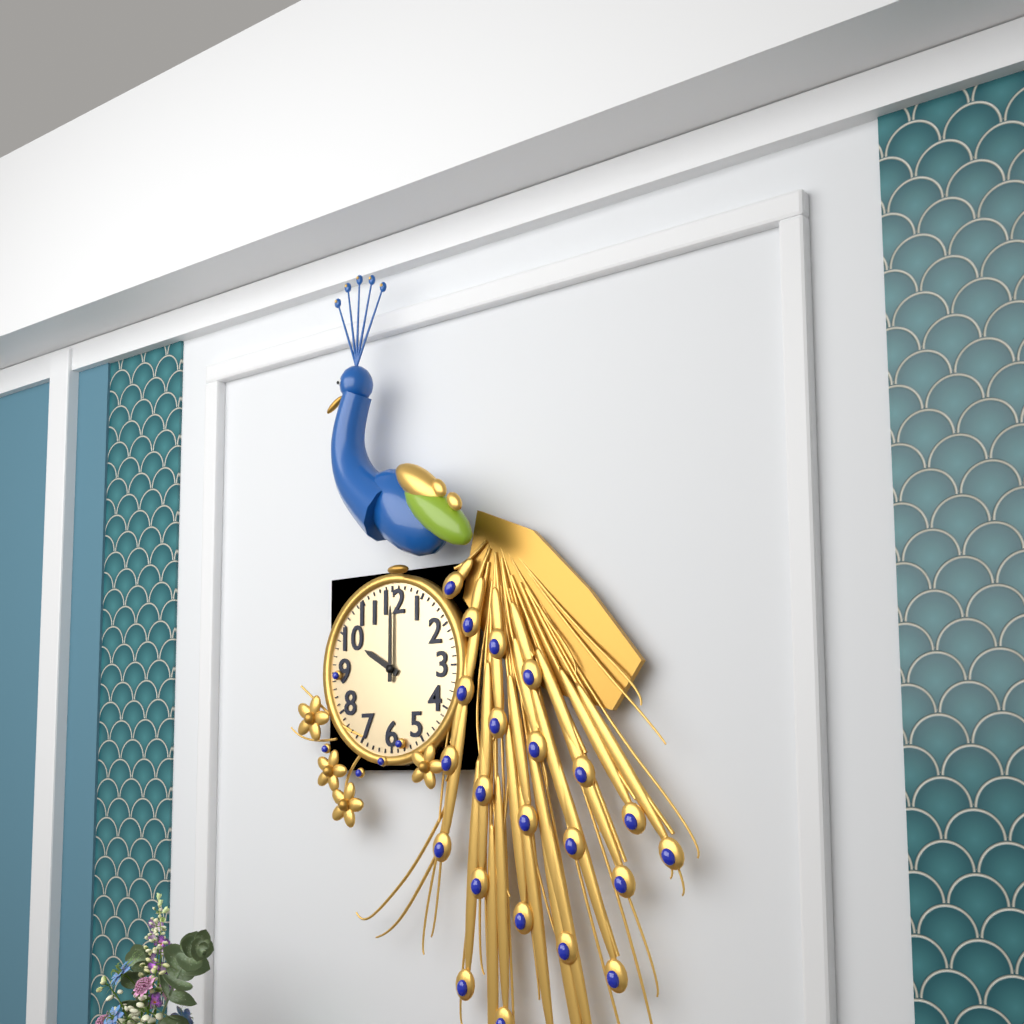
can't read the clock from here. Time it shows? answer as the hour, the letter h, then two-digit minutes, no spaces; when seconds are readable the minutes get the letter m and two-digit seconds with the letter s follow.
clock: 10h00
